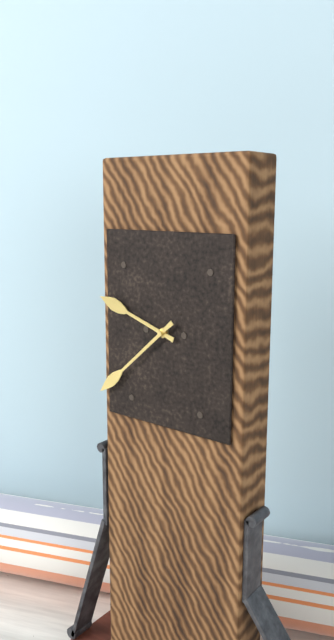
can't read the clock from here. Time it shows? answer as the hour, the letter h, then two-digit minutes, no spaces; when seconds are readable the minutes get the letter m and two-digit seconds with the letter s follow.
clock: 9h38
